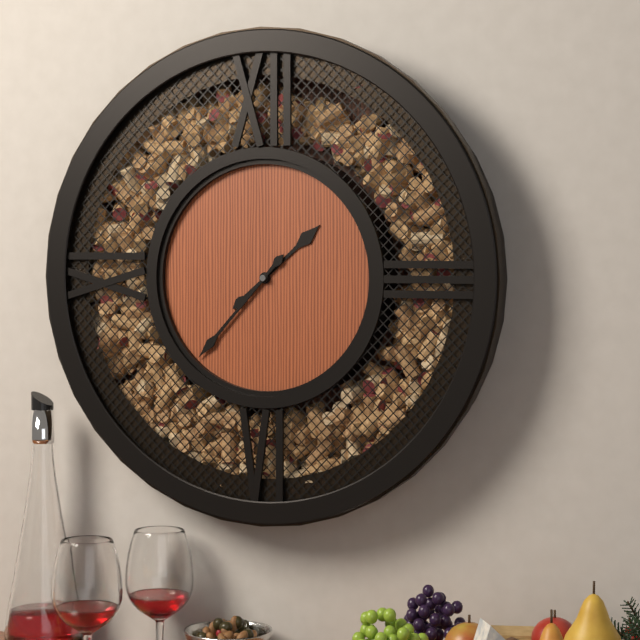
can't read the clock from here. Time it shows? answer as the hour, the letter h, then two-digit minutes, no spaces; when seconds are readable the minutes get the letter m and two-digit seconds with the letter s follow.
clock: 1h37
